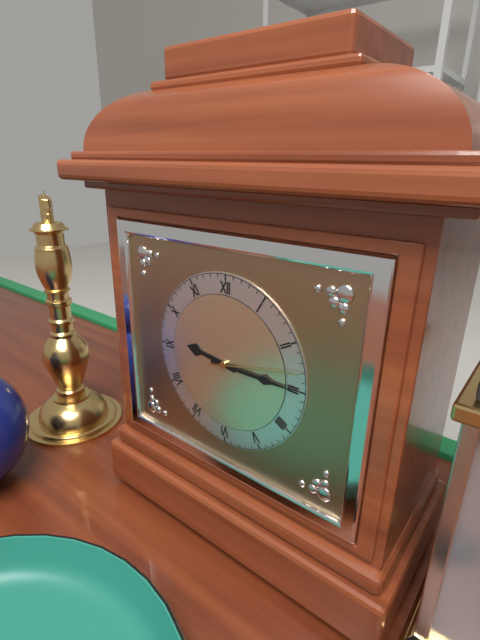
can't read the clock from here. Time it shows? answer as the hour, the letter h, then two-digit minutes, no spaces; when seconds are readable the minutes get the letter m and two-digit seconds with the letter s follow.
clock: 9h15m13s
